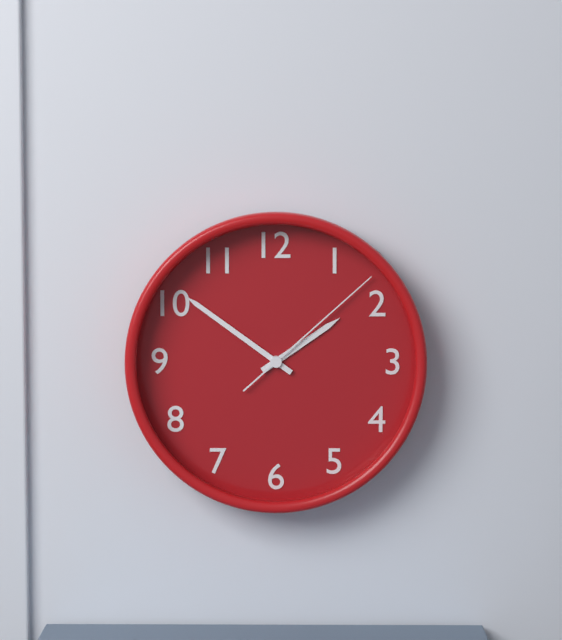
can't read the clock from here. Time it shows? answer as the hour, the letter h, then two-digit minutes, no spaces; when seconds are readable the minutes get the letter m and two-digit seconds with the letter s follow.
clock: 1h51m08s
